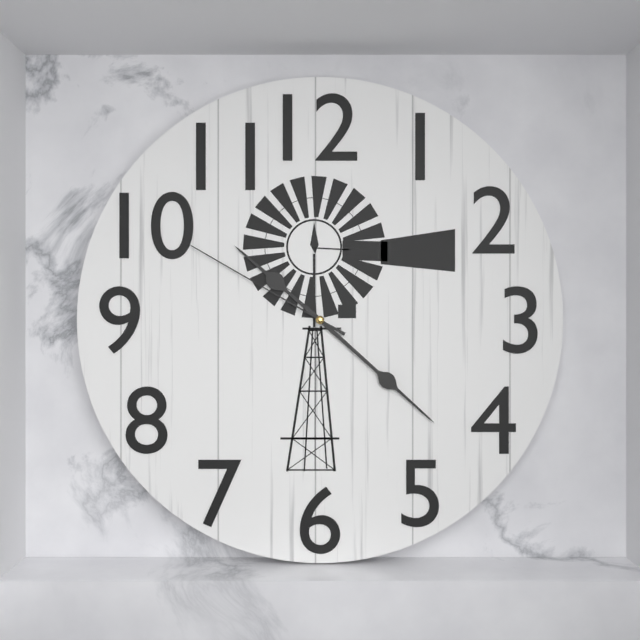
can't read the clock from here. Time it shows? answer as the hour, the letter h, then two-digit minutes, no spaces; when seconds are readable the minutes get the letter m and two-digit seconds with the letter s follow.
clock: 10h22m50s
